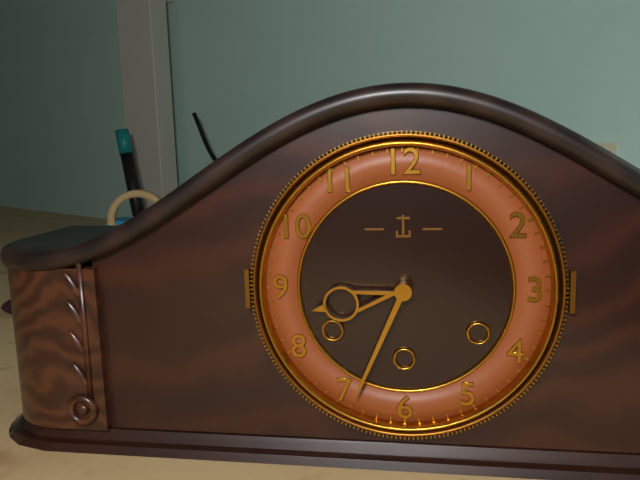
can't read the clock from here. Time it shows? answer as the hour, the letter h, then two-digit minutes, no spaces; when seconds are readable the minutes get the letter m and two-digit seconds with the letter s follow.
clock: 8h34
